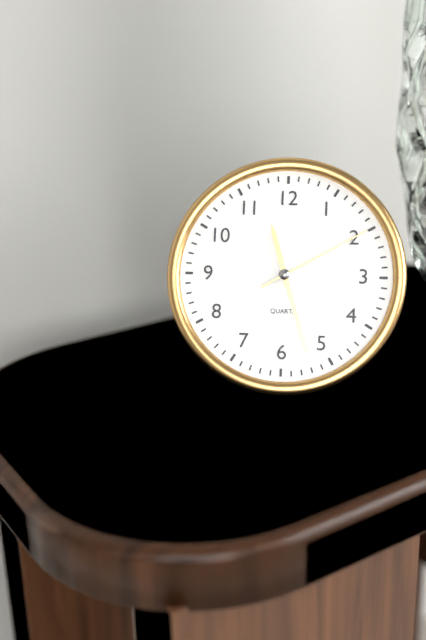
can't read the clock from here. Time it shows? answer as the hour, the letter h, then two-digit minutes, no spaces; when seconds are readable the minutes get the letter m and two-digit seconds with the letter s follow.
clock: 11h27m10s
